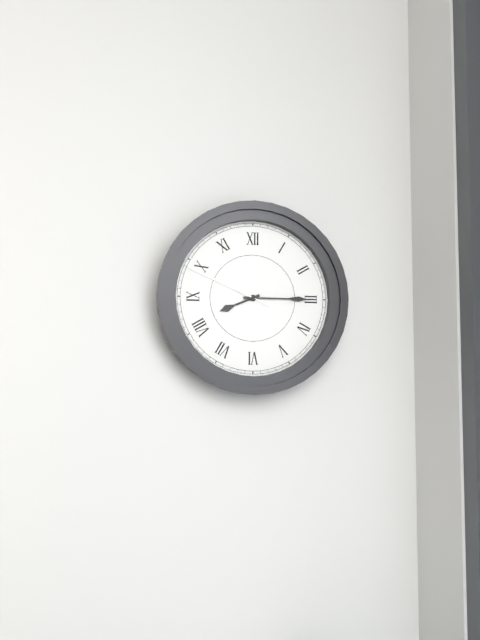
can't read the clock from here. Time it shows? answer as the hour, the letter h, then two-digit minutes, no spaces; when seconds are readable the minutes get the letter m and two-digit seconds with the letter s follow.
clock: 8h15m49s
